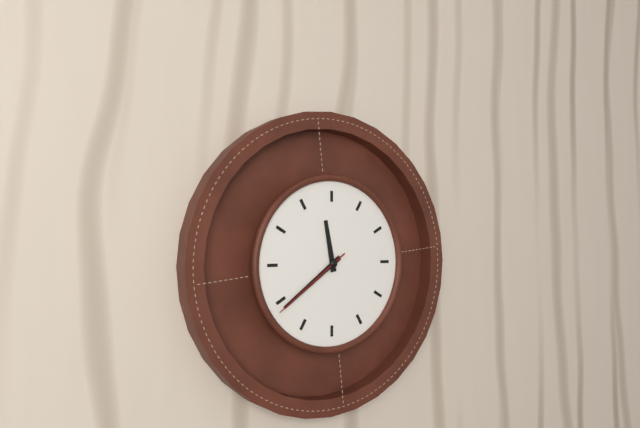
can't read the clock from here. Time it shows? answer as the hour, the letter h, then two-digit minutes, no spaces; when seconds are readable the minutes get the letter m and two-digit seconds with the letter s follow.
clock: 11h39m39s
